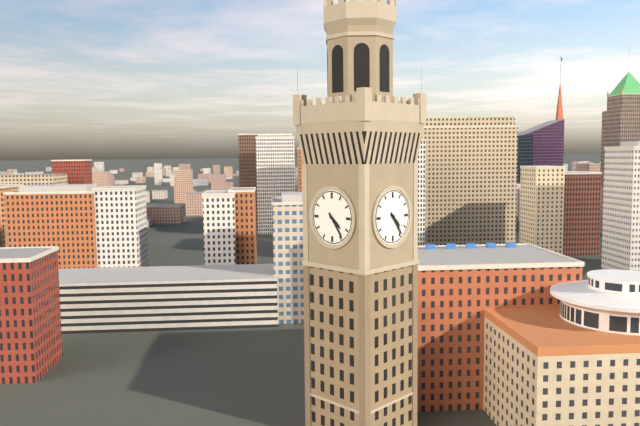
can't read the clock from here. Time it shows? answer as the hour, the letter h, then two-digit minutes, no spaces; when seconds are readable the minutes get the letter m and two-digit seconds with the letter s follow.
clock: 4h24
